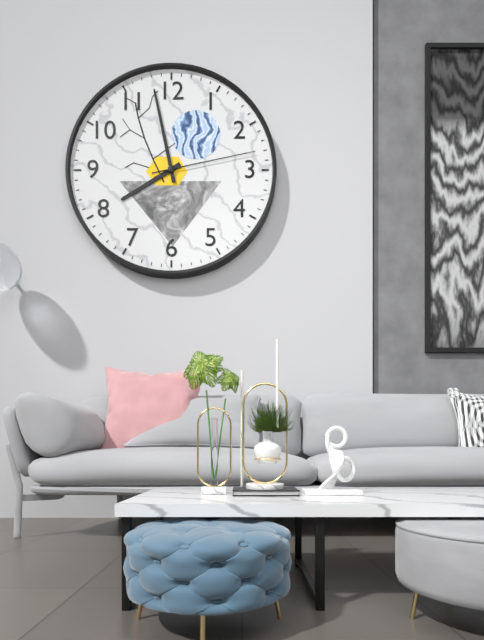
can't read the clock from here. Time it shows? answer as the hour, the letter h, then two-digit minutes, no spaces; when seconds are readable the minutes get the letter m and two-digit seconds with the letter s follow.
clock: 7h58m13s
